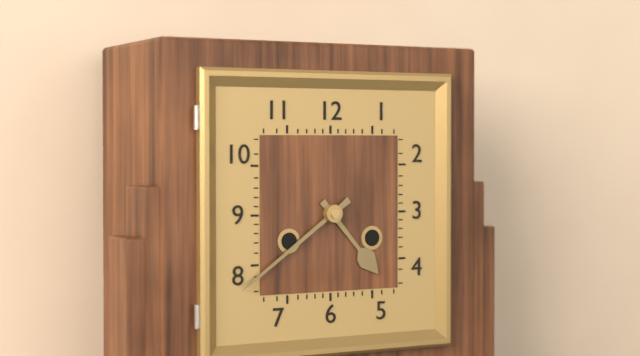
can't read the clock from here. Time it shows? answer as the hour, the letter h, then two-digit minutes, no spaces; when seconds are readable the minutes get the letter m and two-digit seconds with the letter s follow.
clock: 4h39
